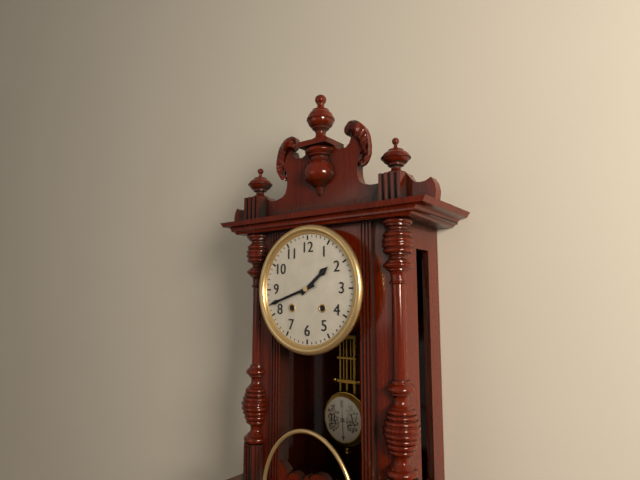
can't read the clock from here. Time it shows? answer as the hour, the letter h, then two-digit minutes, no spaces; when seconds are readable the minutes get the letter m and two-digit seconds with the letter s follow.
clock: 1h42
